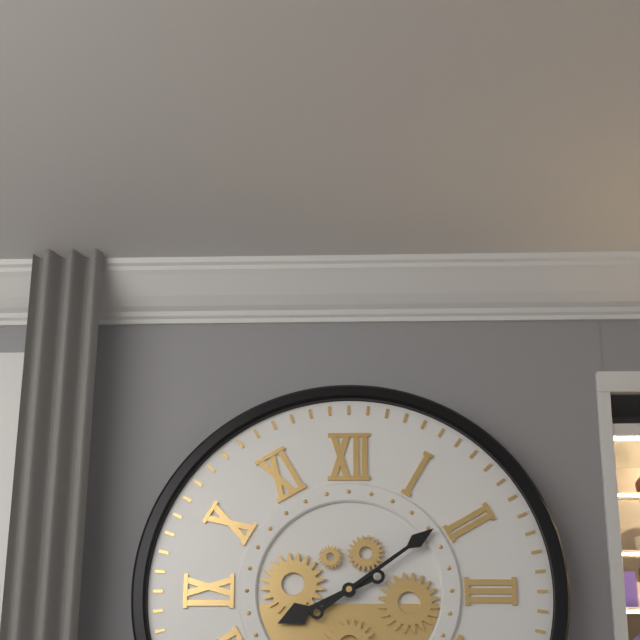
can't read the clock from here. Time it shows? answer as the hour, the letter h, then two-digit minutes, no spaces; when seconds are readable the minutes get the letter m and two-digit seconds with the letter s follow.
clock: 8h09
